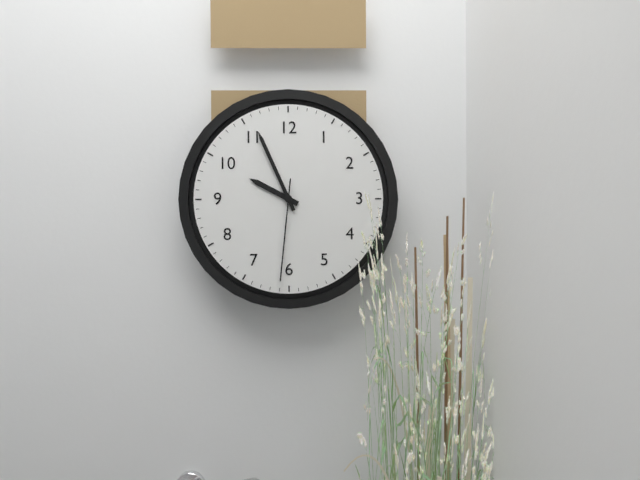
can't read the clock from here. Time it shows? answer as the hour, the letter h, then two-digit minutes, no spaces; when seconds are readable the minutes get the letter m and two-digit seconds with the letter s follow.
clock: 9h56m31s
